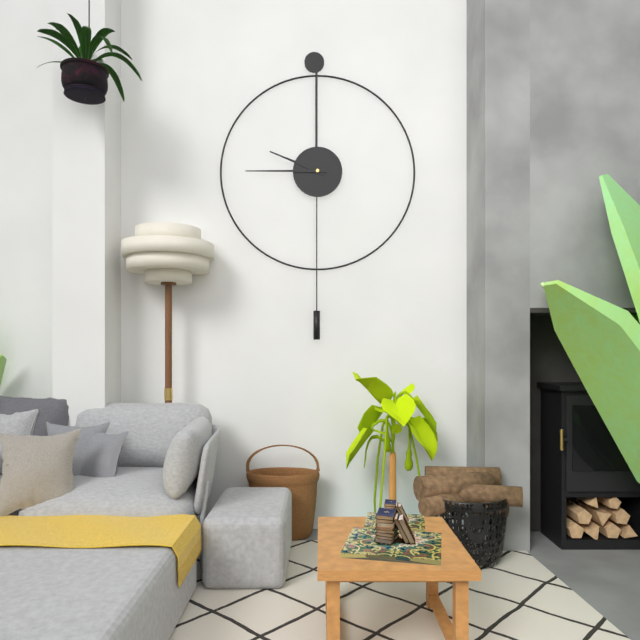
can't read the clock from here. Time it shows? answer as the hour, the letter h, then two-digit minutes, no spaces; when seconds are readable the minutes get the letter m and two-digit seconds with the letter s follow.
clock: 9h45
